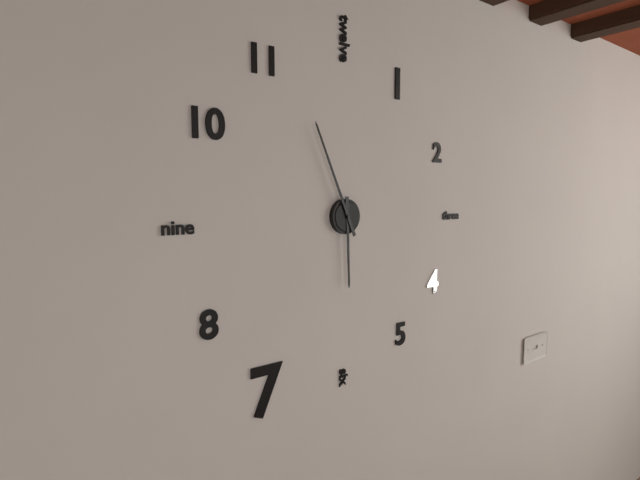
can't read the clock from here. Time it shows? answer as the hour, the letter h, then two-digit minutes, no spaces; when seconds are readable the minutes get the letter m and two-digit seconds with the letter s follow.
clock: 5h56
